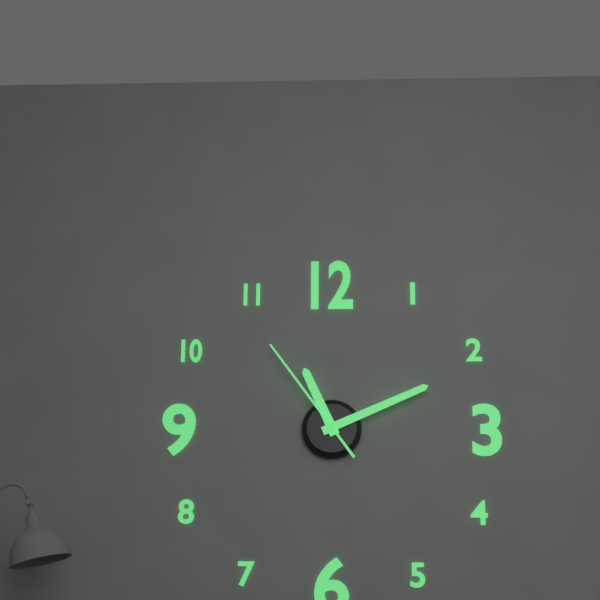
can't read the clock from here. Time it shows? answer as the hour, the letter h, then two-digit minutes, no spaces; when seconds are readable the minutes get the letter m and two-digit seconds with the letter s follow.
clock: 11h11m54s
